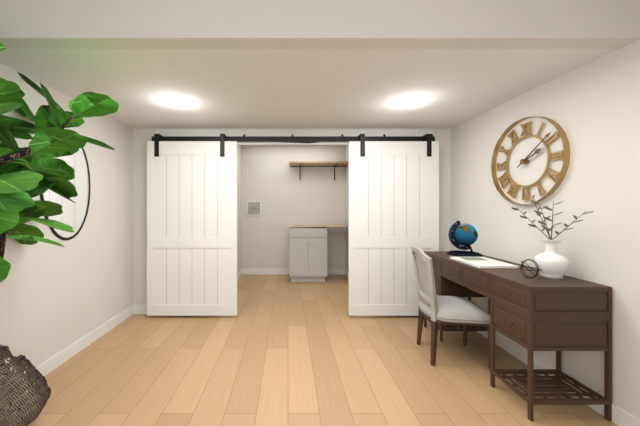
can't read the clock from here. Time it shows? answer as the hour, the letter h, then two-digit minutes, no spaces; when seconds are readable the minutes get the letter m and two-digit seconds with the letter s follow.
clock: 2h09
